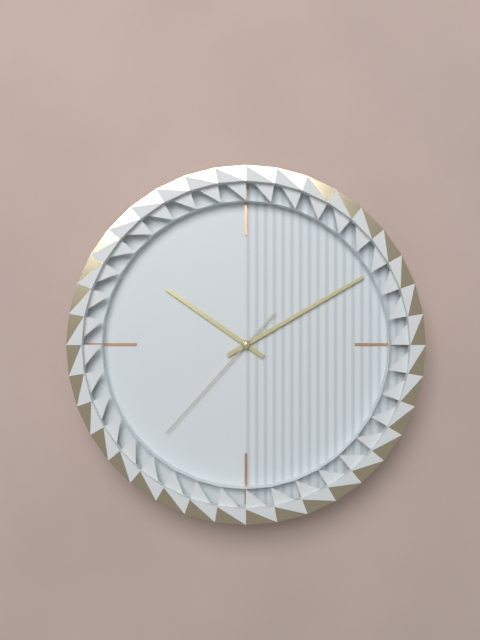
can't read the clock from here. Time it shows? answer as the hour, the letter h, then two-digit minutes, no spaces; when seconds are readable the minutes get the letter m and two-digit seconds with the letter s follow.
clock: 10h10m37s
